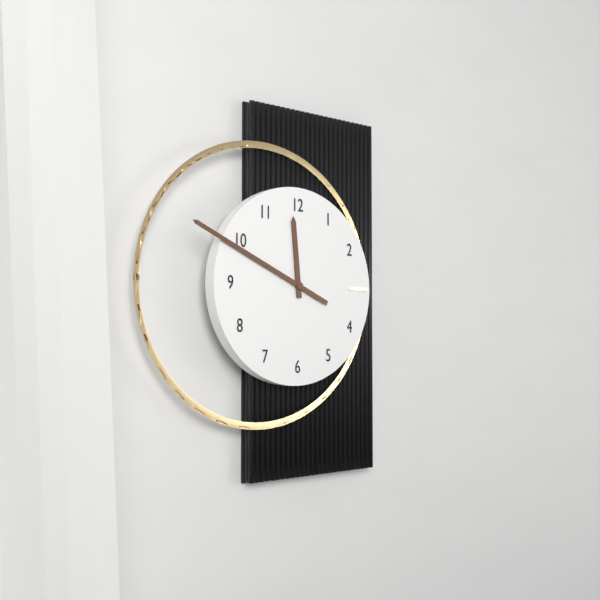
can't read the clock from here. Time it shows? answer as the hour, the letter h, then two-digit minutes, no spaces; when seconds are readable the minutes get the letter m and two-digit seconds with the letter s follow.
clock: 11h49
